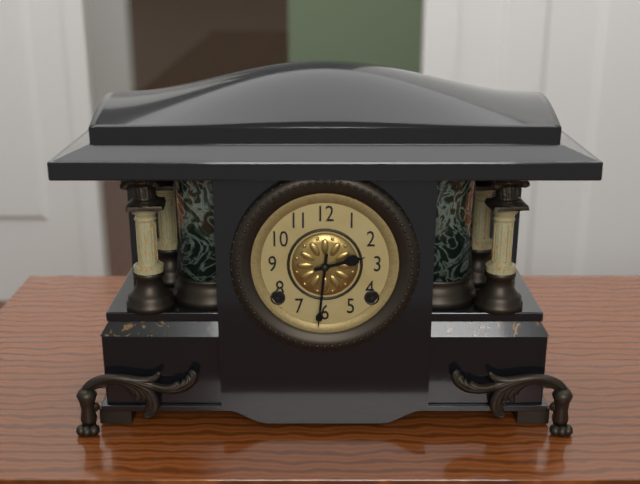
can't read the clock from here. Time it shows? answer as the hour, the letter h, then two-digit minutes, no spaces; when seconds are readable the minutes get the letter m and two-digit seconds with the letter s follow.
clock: 2h31
